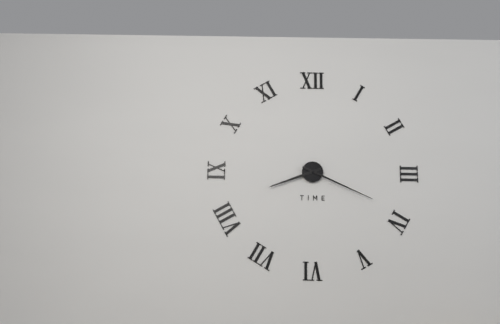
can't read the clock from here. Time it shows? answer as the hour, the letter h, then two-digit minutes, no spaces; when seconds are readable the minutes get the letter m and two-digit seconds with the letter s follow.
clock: 8h19
